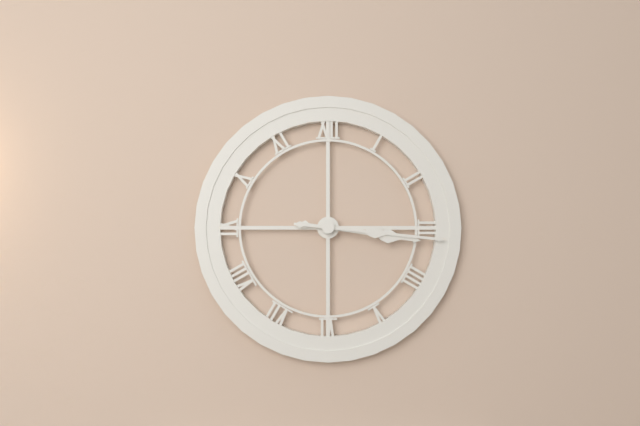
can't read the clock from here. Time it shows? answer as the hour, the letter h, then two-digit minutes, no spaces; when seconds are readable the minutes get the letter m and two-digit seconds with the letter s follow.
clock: 3h16
